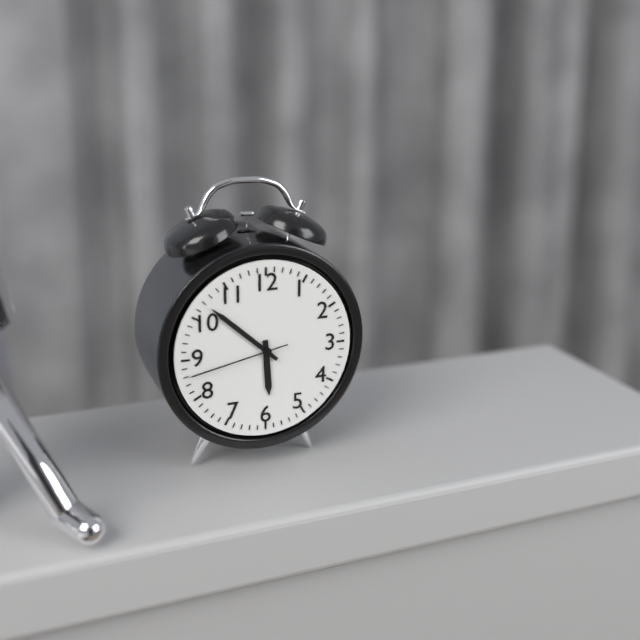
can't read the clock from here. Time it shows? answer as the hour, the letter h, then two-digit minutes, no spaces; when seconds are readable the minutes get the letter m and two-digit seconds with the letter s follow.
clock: 5h52m43s
